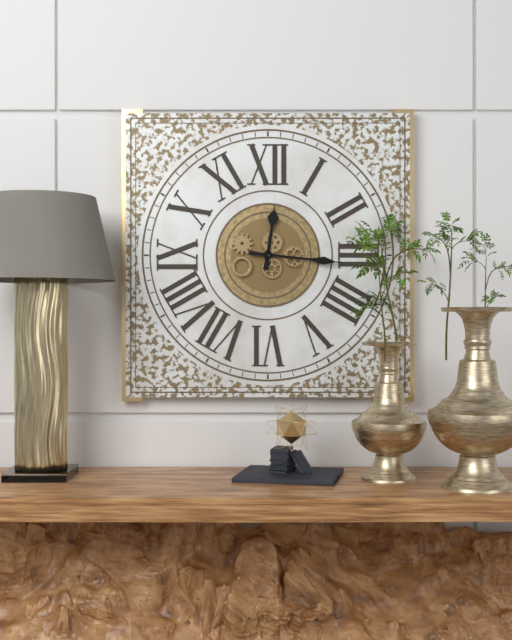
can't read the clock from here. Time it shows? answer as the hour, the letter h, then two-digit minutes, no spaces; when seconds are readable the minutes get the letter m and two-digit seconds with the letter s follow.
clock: 12h16
